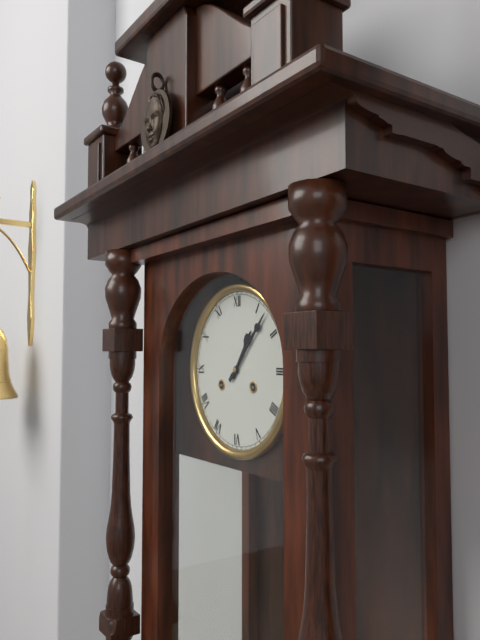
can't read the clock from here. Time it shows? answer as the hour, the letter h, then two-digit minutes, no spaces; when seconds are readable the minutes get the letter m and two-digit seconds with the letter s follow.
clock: 1h07
